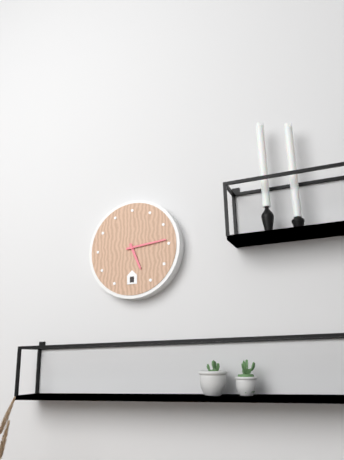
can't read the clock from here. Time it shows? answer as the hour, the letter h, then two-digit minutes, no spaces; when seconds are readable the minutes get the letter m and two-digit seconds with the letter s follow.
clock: 5h14
